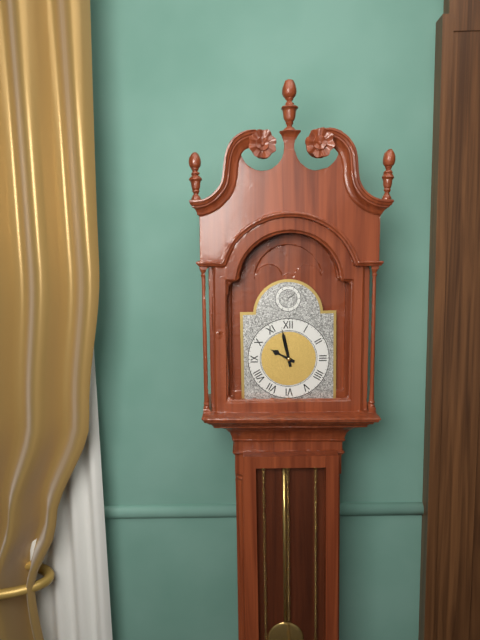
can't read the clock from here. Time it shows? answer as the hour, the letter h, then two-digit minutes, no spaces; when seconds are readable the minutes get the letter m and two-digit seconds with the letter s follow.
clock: 9h58
